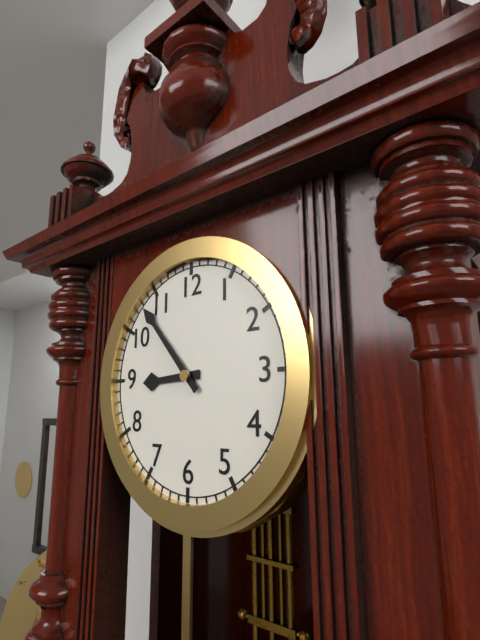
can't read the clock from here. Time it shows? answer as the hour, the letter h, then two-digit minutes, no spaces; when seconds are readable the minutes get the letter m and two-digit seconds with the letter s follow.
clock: 8h53
